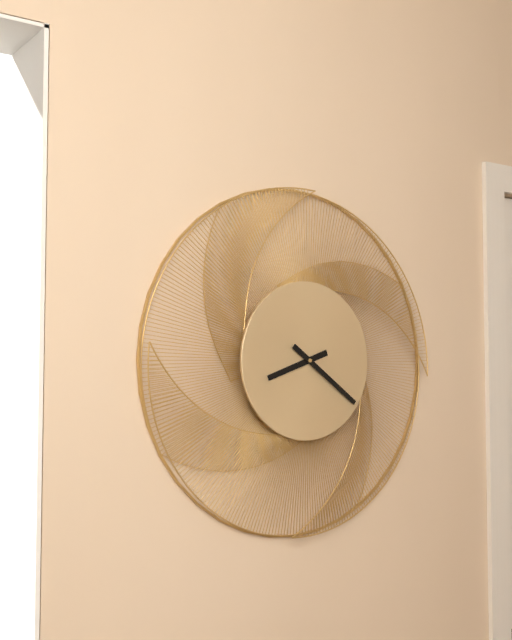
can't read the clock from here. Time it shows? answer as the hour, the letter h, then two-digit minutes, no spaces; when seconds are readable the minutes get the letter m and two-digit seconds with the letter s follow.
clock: 8h21
